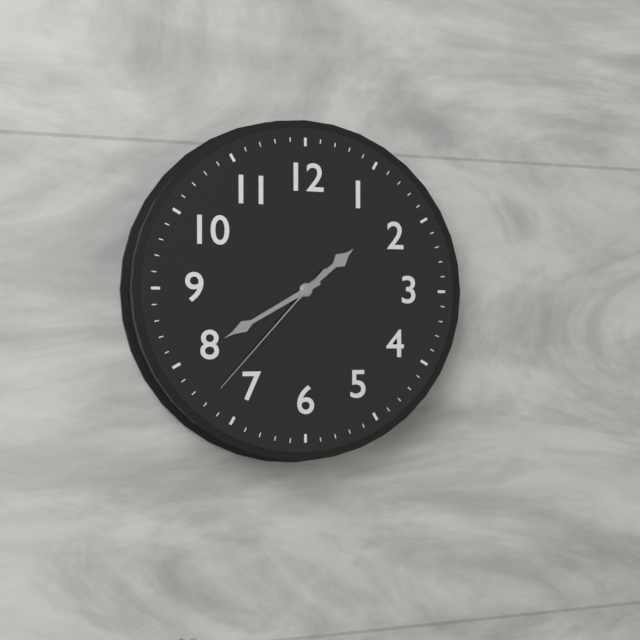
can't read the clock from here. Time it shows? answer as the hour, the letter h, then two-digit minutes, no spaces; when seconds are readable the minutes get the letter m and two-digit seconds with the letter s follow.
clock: 1h40m37s
